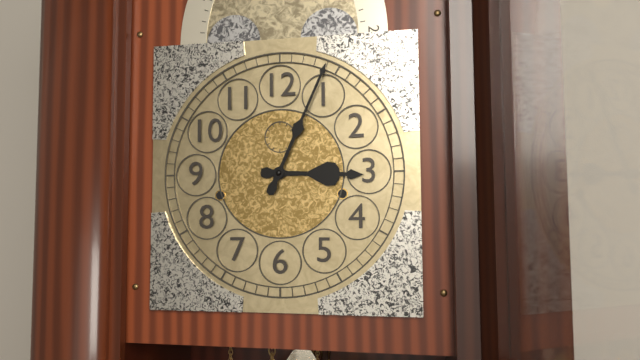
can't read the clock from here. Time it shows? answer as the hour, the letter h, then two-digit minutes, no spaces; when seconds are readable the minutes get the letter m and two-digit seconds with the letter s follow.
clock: 3h04
